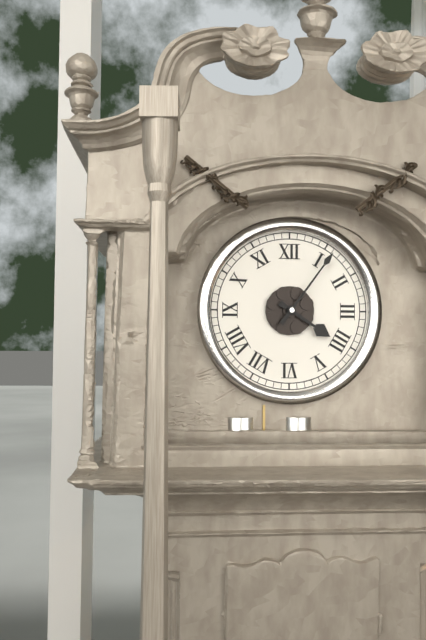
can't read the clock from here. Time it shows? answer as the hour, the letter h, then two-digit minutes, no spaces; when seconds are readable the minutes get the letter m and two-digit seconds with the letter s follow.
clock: 4h06
